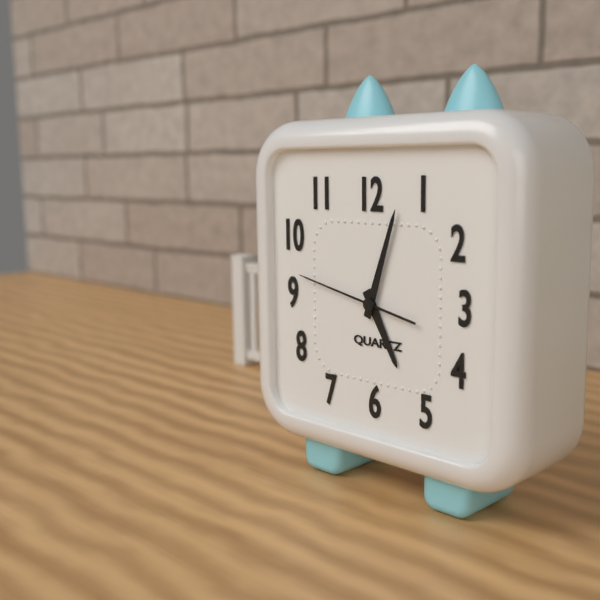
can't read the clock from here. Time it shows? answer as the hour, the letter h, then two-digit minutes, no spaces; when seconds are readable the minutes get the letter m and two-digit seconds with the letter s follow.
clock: 5h03m47s
